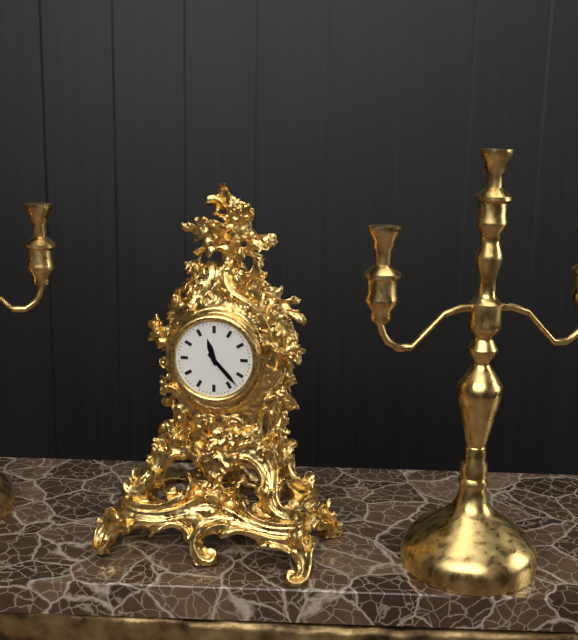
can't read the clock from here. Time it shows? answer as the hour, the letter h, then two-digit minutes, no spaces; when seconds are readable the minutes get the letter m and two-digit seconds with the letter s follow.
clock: 11h23
